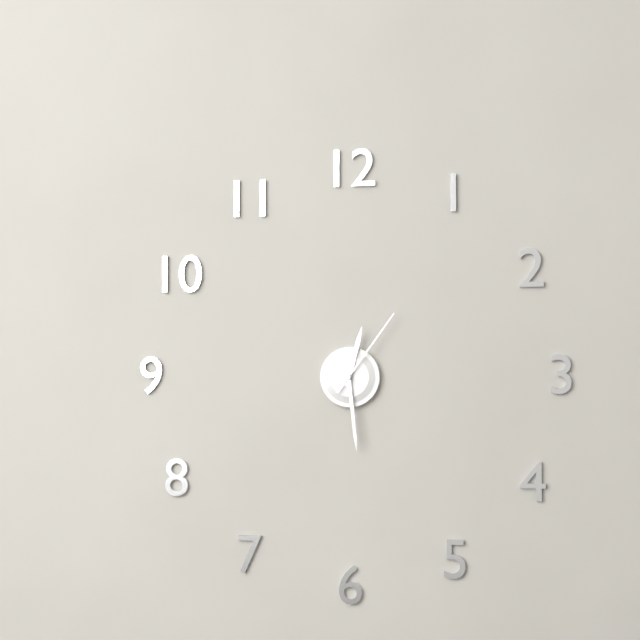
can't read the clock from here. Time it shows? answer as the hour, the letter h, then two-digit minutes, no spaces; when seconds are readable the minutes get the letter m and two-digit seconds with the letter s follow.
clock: 12h29m06s
